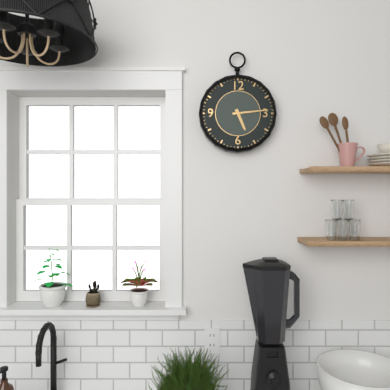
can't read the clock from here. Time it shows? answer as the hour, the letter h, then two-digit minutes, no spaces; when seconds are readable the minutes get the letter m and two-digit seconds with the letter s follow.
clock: 5h14
